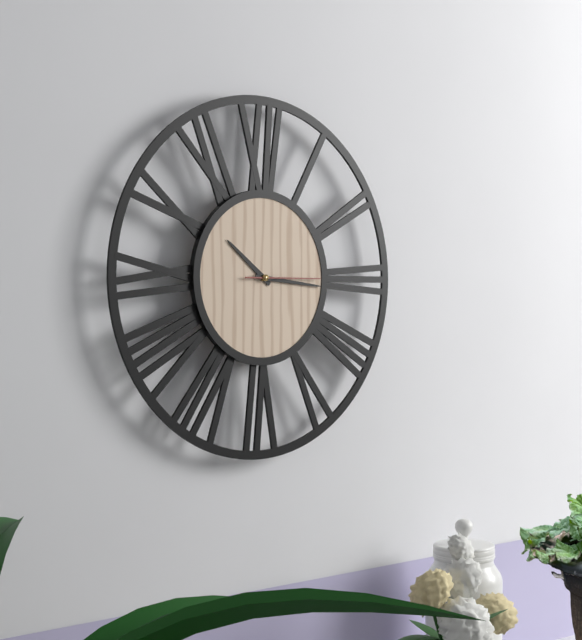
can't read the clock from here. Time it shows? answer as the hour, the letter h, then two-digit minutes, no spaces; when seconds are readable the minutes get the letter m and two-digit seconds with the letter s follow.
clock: 10h16m15s
